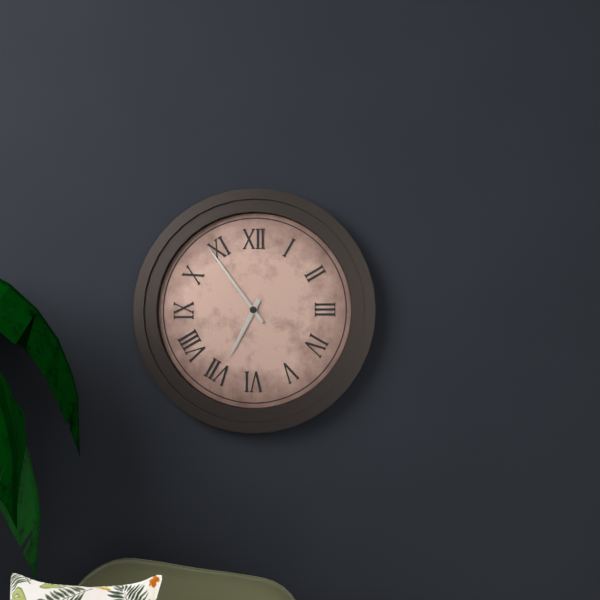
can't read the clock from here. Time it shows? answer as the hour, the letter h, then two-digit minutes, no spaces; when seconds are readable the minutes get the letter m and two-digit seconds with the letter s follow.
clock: 6h54
